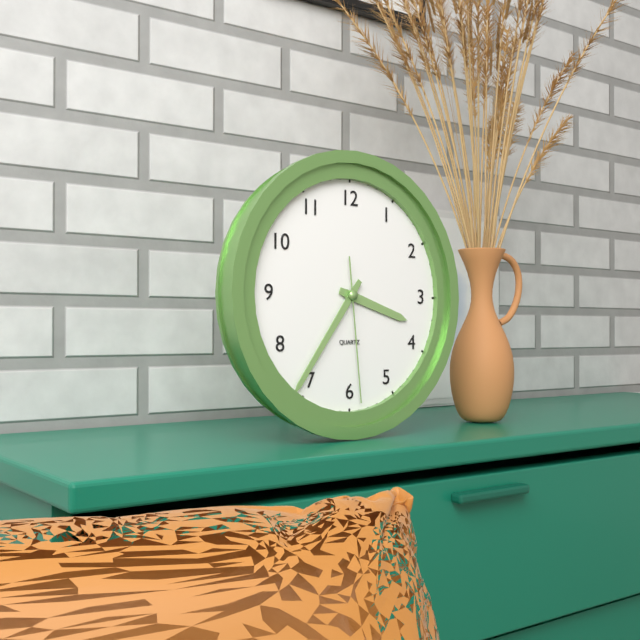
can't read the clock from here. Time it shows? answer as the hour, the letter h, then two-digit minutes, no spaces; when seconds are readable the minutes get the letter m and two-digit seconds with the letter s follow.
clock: 3h36m29s
